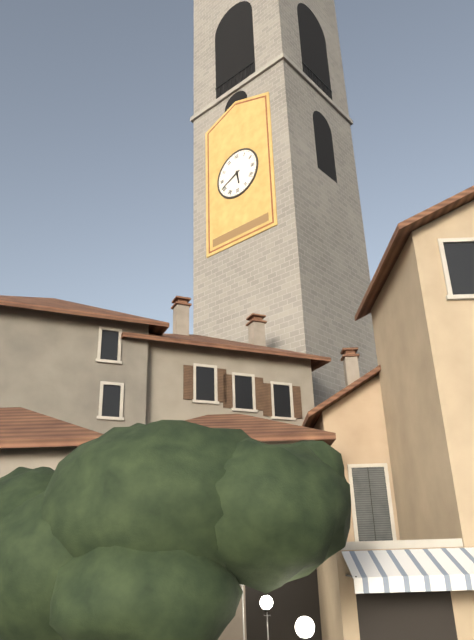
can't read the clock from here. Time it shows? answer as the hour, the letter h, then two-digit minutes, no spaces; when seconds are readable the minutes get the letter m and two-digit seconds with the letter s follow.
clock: 5h41
